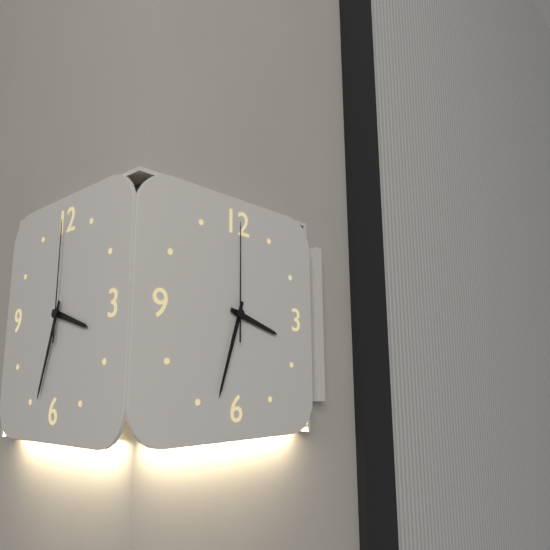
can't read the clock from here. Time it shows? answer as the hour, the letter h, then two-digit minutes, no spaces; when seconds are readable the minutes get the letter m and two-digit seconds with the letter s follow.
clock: 3h33m00s
